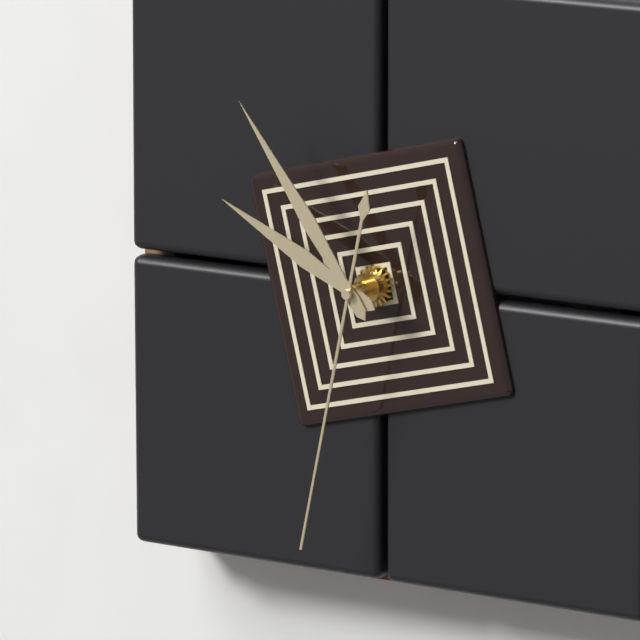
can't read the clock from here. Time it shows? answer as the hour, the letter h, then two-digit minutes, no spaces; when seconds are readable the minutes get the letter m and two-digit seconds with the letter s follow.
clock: 9h54m32s
